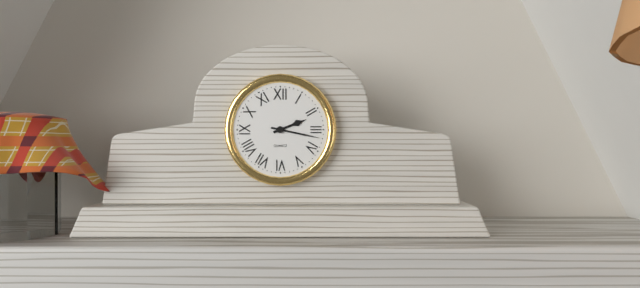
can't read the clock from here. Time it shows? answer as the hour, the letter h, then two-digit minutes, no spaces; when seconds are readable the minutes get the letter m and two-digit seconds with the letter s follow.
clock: 2h17
